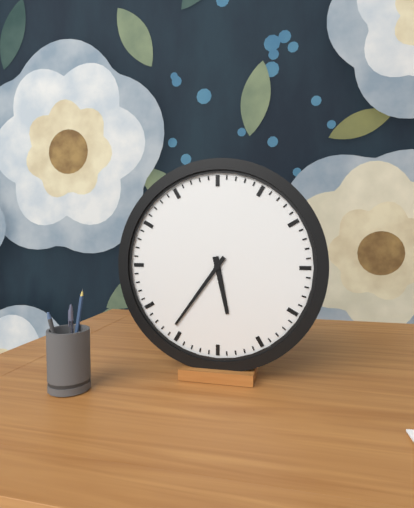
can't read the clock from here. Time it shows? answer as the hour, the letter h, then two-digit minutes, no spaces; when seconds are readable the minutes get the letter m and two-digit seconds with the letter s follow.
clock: 5h36
